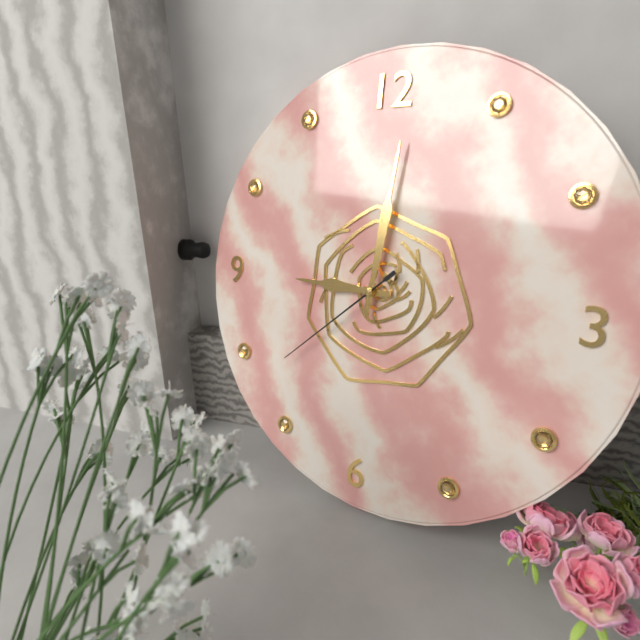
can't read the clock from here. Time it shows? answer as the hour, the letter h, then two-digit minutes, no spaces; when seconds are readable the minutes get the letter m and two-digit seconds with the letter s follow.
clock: 9h01m38s
